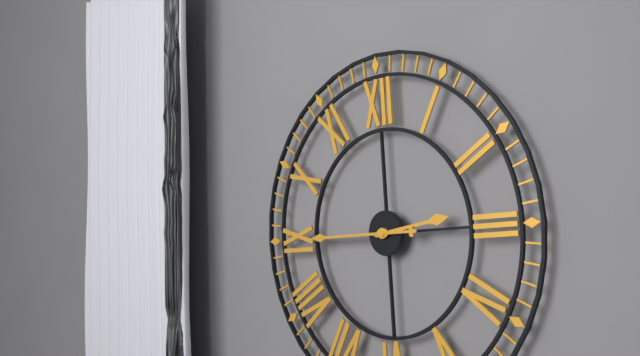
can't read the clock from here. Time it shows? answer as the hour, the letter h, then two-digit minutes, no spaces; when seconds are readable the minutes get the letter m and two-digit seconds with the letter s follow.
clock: 2h45
